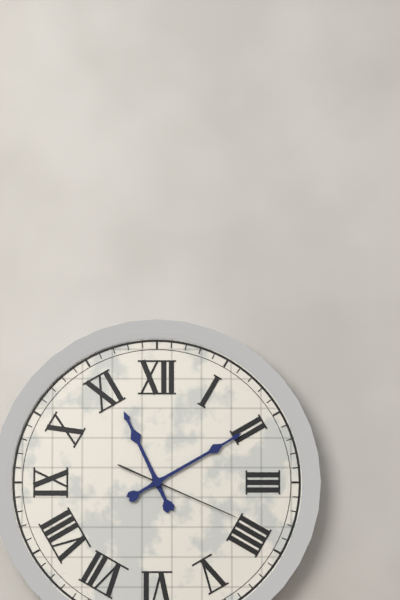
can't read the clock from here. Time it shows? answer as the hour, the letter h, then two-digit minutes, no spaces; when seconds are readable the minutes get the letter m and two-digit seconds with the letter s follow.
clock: 11h10m19s
